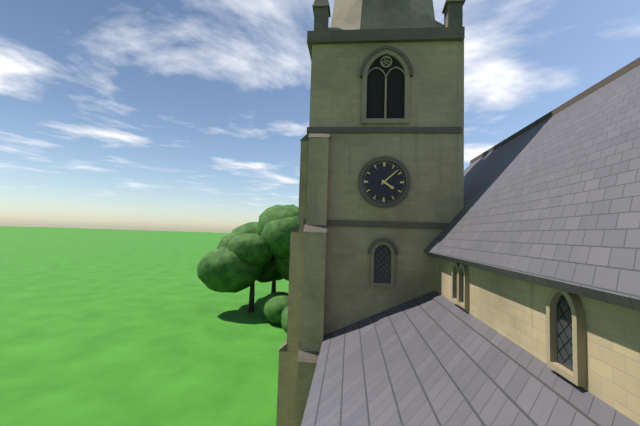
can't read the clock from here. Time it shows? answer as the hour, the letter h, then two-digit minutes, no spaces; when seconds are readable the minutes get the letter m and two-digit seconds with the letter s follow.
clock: 4h08
